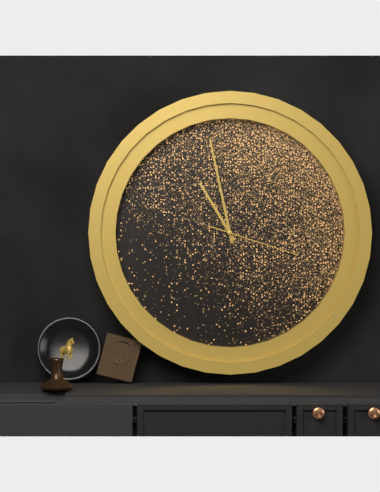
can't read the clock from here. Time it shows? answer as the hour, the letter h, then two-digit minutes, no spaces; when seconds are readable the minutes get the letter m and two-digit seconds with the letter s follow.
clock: 10h58m18s
